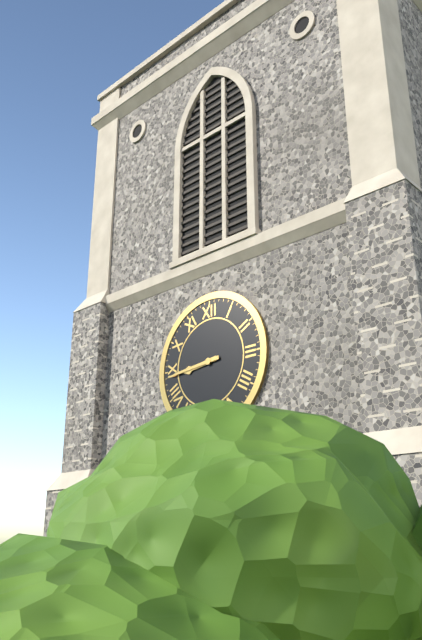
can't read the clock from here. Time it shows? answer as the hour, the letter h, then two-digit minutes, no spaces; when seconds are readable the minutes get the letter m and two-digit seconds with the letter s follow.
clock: 8h44
